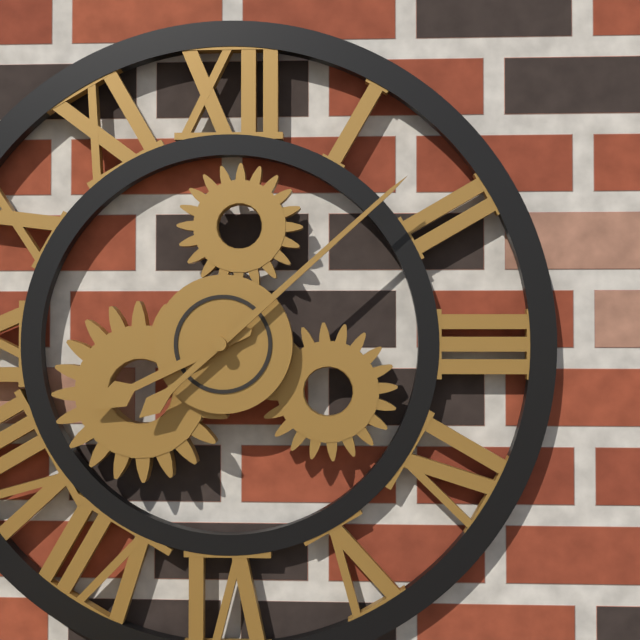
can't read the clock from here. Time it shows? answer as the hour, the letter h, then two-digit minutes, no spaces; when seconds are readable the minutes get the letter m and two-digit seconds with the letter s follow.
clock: 8h08
